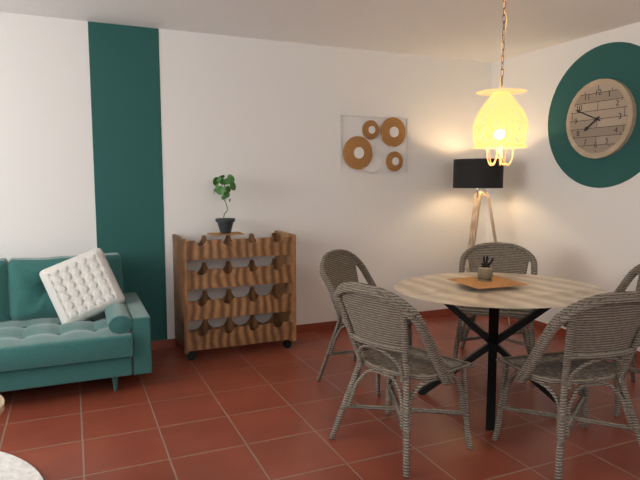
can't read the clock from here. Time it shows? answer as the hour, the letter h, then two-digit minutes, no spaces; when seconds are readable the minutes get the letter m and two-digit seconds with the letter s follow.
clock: 7h49
